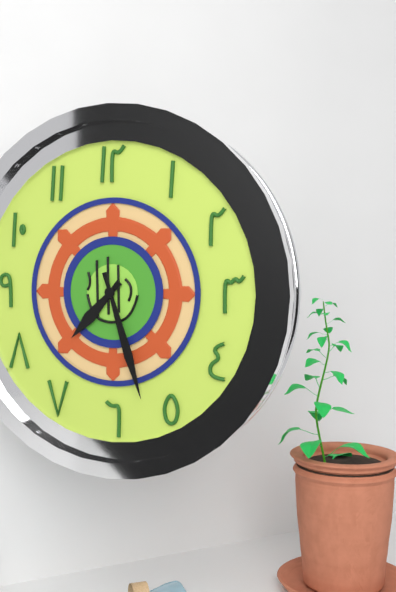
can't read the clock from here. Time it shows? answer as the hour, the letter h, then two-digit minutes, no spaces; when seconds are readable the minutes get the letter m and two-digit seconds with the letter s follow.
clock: 7h27
